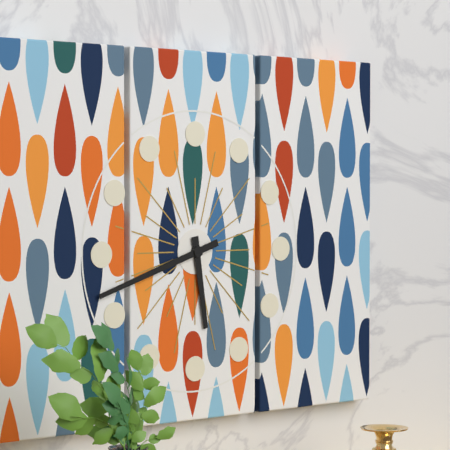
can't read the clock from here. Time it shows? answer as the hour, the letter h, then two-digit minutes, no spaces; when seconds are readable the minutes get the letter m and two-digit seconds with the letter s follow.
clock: 5h42
